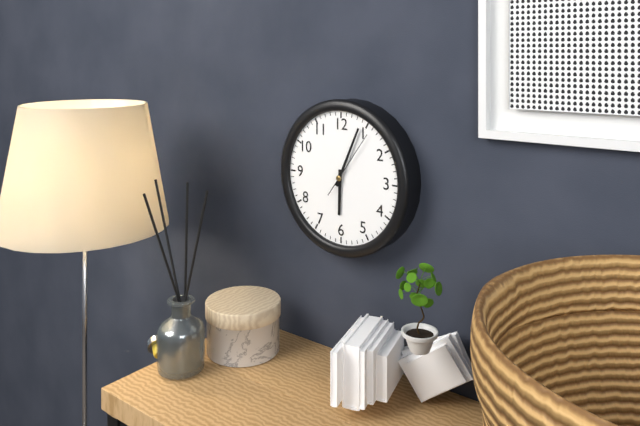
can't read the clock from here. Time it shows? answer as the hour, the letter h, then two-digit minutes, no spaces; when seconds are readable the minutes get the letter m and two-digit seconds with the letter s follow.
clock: 6h04m06s
